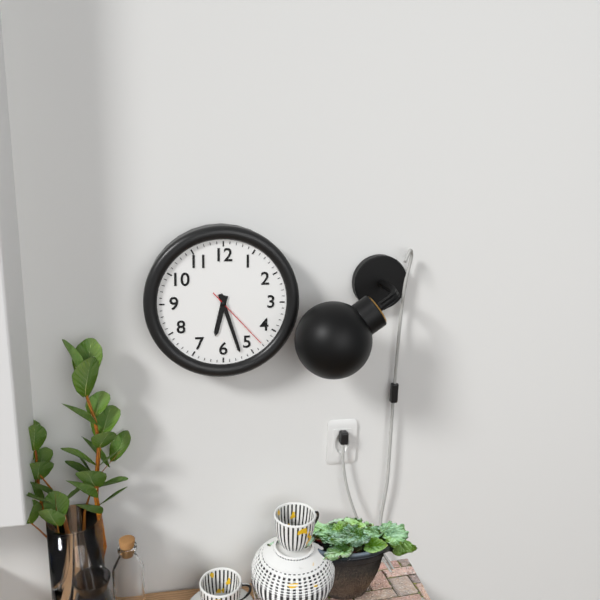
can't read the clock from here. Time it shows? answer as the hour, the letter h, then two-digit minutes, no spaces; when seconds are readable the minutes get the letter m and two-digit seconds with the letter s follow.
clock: 6h27m23s
